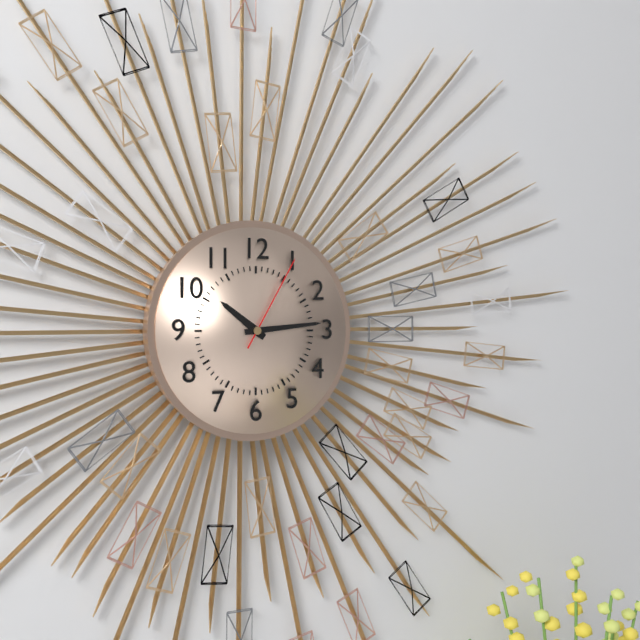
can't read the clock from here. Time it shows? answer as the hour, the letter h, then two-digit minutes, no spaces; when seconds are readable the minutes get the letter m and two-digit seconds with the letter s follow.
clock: 10h14m05s
